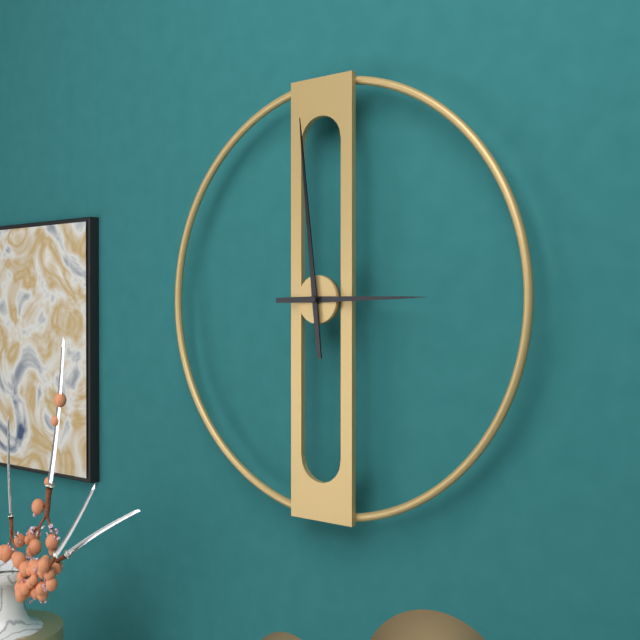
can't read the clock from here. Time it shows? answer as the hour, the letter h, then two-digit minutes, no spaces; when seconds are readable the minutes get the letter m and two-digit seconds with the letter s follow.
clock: 2h59
